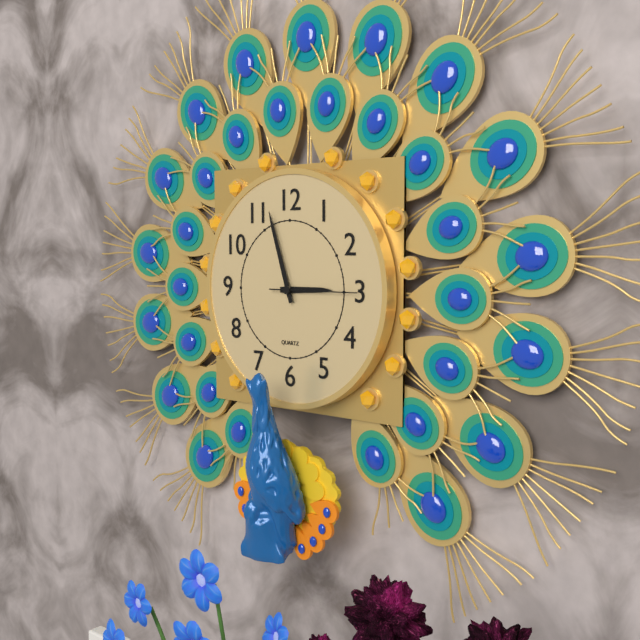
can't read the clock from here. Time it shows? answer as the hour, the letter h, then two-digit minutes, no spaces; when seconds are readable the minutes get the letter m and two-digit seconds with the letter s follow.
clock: 2h57
